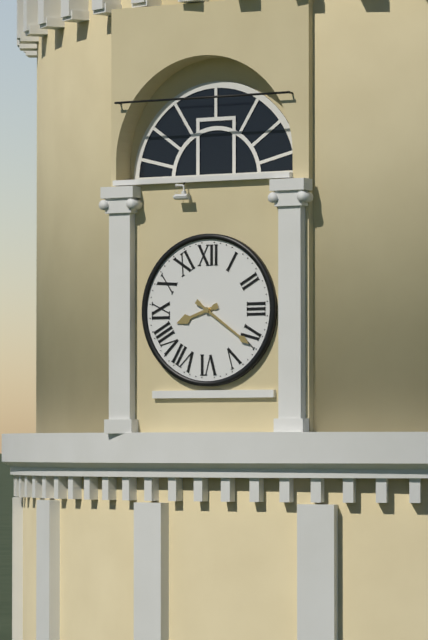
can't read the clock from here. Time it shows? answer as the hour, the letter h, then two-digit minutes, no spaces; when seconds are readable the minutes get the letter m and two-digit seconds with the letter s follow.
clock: 8h21
